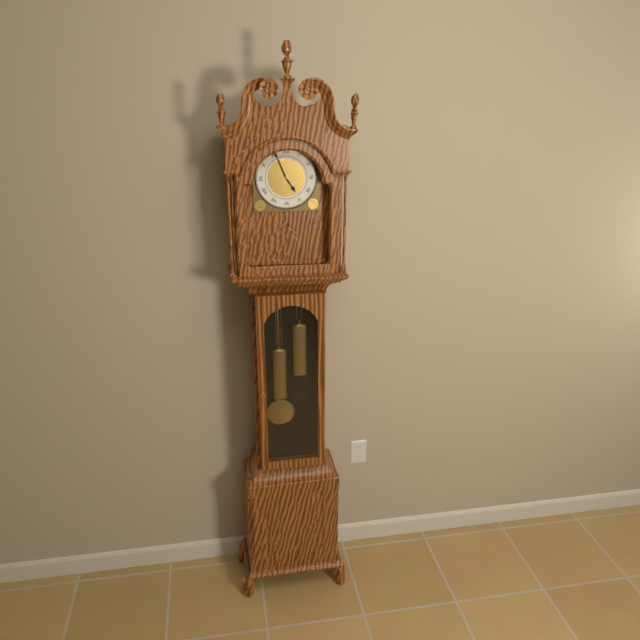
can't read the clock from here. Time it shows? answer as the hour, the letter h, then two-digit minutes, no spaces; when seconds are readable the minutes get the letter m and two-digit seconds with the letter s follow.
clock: 4h56
